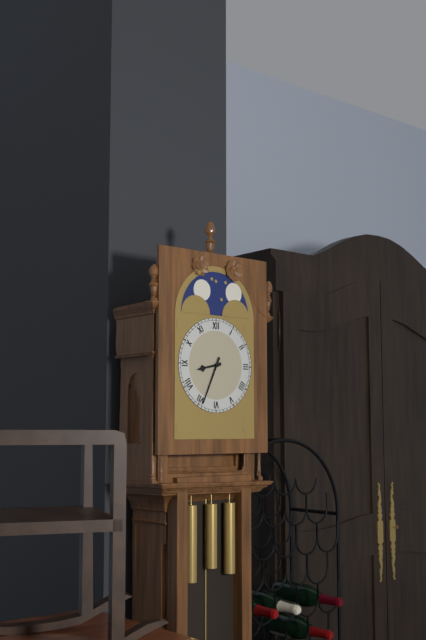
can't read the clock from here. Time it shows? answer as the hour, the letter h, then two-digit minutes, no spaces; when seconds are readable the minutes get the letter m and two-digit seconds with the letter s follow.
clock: 8h34
